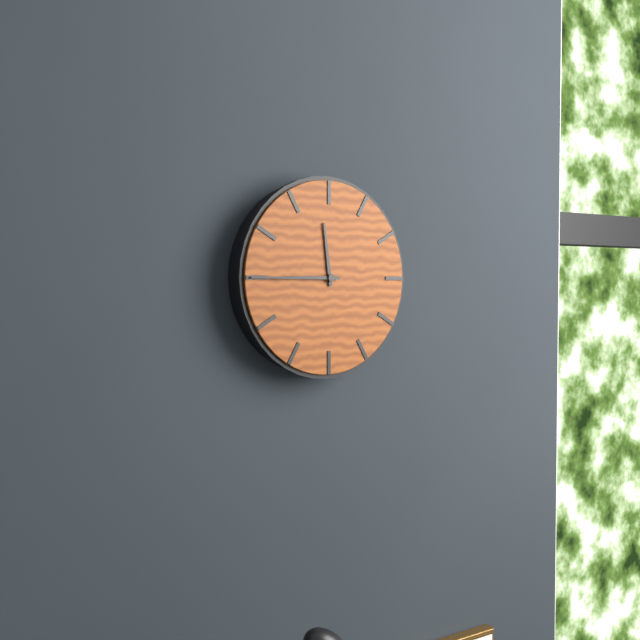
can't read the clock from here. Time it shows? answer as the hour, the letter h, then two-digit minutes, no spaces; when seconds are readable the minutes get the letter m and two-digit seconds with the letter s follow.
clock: 11h45
